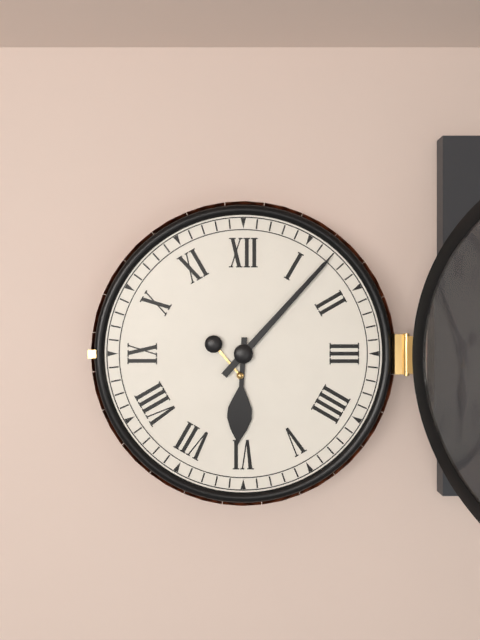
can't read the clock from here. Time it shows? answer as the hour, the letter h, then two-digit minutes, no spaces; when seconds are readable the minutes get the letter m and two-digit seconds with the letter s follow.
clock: 6h07
